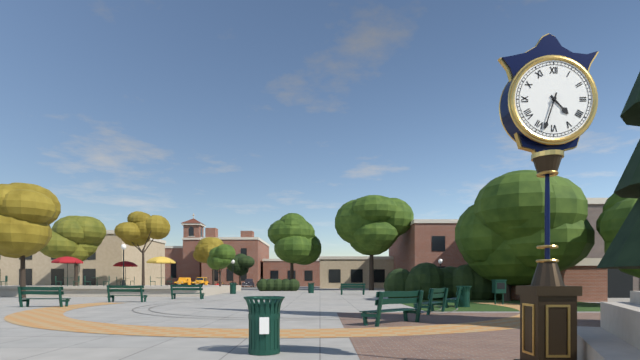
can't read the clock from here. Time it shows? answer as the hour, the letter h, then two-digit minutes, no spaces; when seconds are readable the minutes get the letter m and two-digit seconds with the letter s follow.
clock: 4h33
